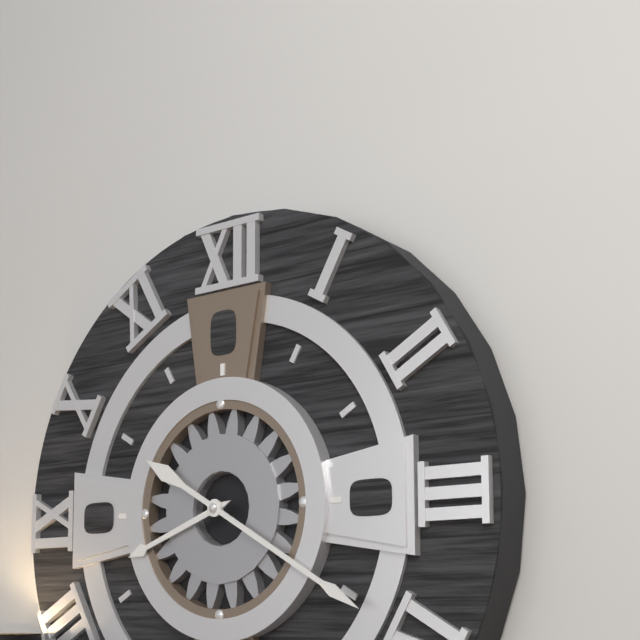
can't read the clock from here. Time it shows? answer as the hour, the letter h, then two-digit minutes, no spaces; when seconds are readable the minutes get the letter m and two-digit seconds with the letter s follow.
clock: 8h20
